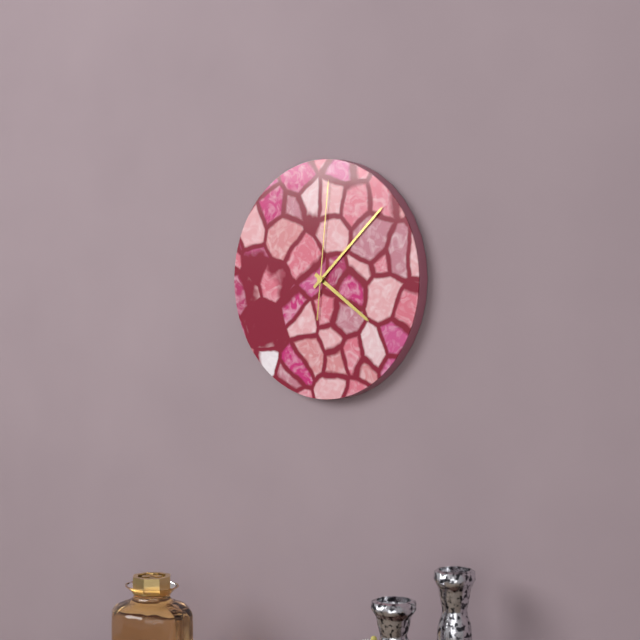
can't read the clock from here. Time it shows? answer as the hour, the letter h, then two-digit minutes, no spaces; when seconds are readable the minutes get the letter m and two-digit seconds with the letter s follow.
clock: 4h08m01s
